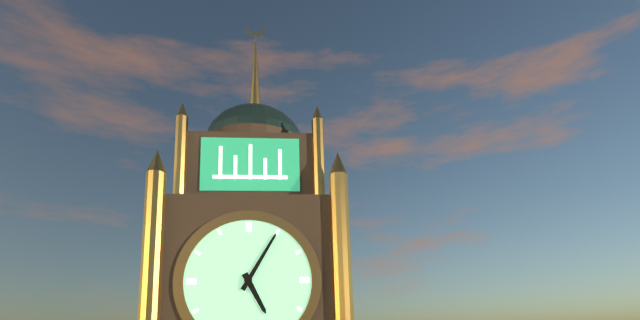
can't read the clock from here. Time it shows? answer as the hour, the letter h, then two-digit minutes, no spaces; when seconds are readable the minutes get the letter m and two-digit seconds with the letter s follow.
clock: 5h05
